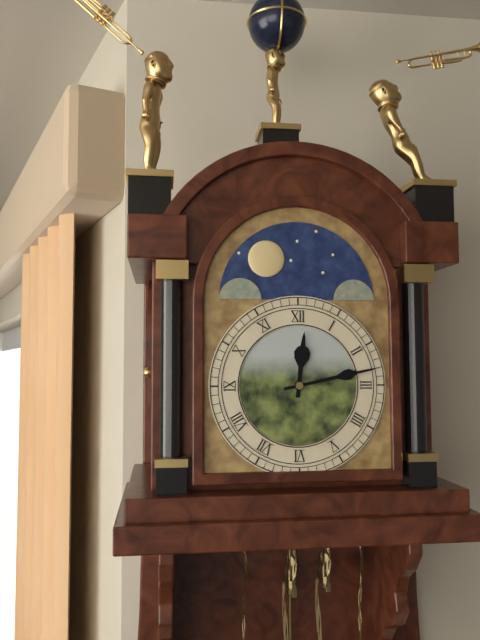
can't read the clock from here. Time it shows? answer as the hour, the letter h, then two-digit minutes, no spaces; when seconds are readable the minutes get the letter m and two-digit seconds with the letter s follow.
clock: 12h13
